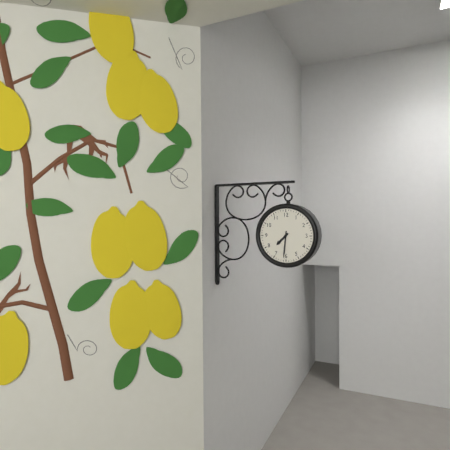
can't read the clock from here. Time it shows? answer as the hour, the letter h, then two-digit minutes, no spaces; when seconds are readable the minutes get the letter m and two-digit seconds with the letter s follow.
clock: 7h31
